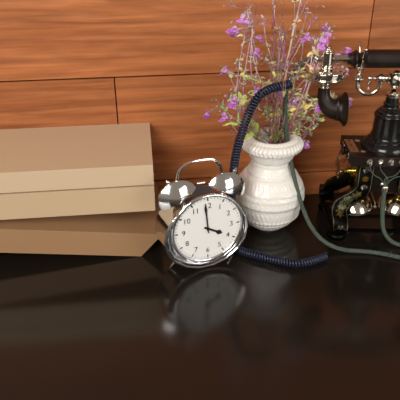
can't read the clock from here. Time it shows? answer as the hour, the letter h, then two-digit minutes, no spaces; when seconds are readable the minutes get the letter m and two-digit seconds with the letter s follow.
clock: 3h59
